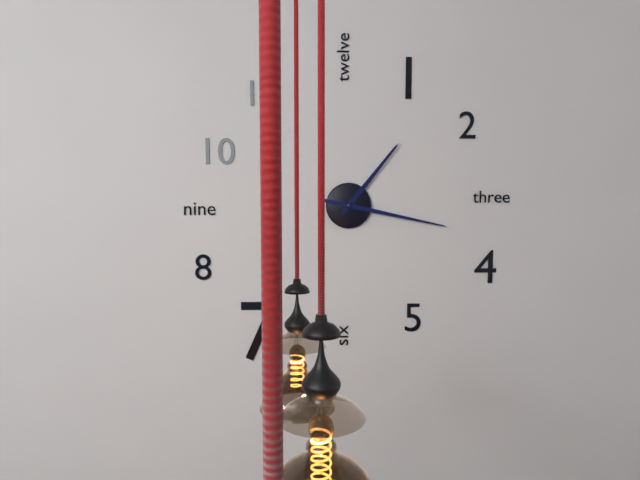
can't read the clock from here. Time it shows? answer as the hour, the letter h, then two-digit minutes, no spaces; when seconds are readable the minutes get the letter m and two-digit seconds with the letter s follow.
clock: 1h17
